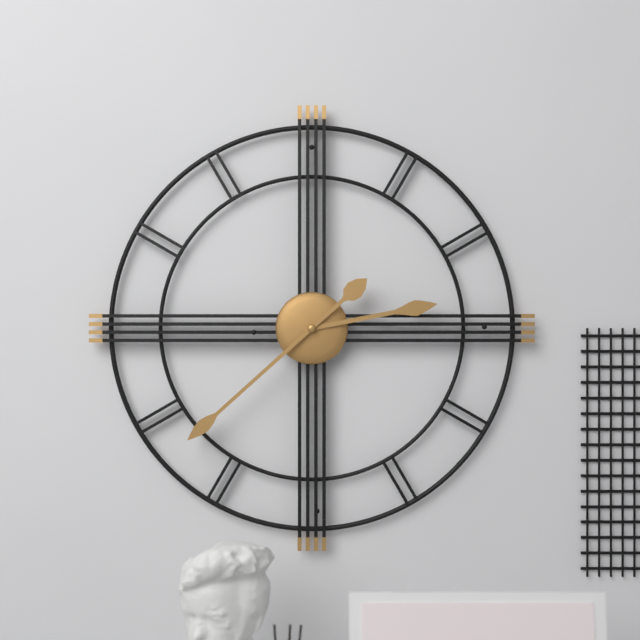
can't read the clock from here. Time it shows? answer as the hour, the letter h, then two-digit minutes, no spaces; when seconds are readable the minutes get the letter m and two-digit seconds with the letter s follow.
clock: 2h38
